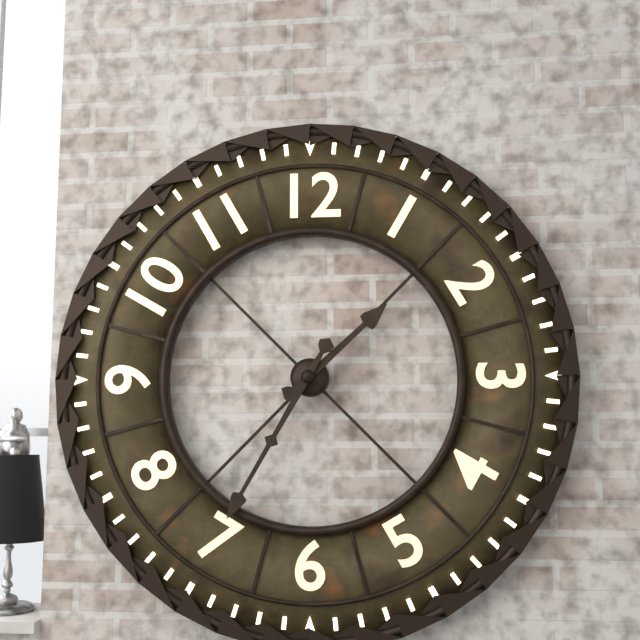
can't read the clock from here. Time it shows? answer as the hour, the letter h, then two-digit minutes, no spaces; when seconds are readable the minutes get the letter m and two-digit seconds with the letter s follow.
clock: 1h35
